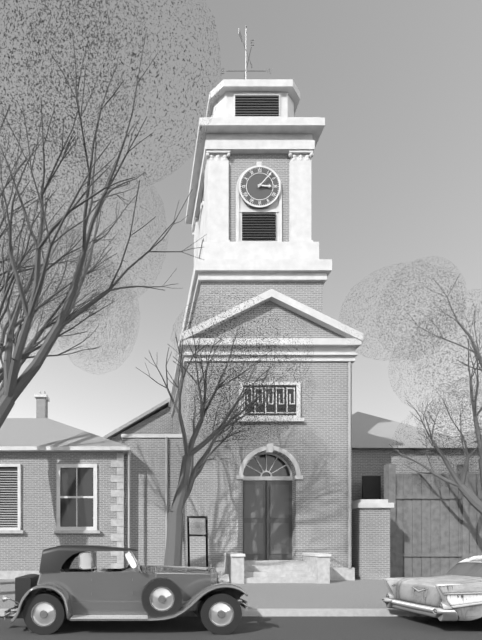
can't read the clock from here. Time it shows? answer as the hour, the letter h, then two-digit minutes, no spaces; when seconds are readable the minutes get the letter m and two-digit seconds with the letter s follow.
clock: 3h07
